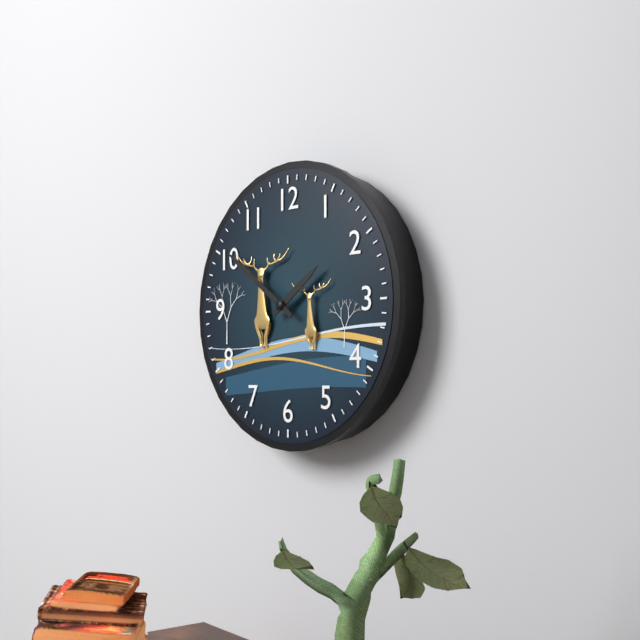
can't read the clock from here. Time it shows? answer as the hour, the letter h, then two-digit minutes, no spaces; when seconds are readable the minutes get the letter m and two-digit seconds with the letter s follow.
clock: 1h51
